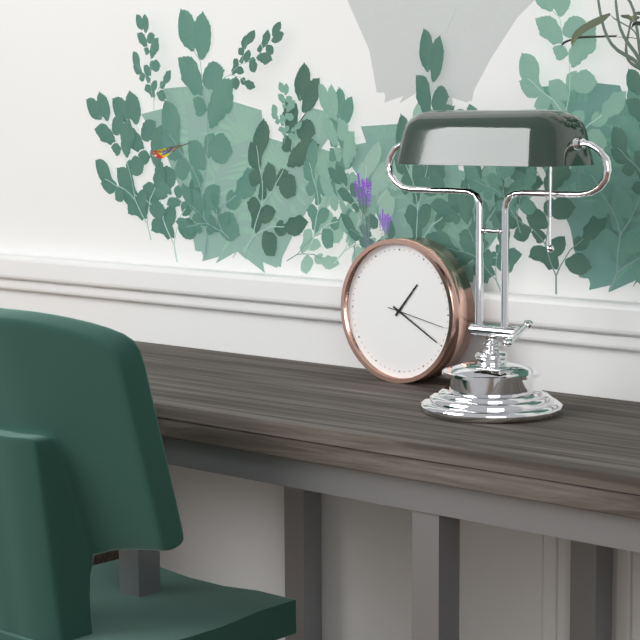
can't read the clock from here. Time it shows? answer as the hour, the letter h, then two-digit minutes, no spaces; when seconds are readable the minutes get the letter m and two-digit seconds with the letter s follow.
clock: 1h20m17s
